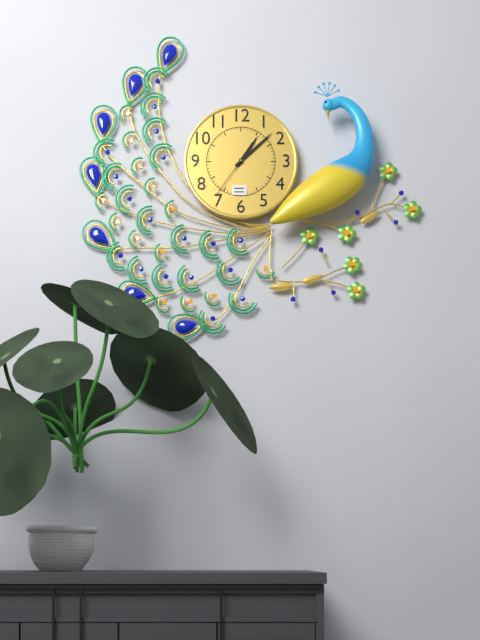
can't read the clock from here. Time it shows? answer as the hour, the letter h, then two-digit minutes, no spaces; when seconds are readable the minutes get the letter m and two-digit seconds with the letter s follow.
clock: 1h08
